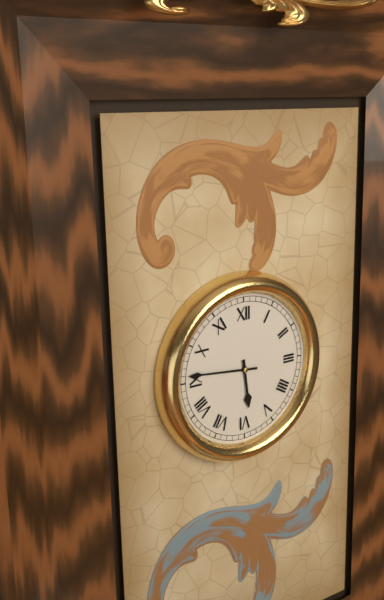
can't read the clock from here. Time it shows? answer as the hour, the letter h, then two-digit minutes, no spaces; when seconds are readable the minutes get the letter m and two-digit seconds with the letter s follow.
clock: 5h46
